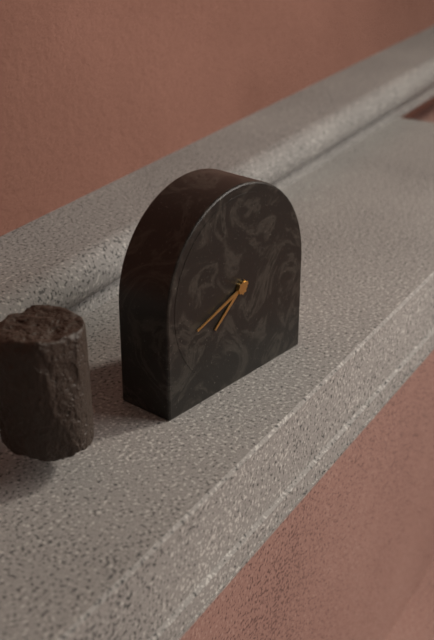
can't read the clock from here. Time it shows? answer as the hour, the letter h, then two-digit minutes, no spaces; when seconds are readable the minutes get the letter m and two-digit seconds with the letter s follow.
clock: 7h42
